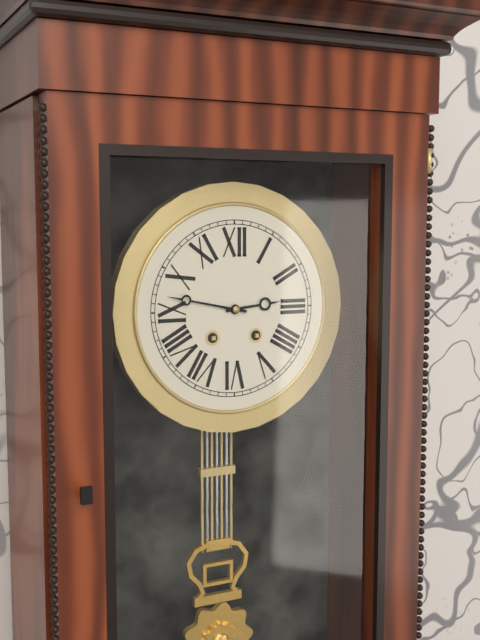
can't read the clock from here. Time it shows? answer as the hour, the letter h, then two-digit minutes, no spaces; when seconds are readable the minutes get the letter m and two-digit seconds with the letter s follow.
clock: 2h47
